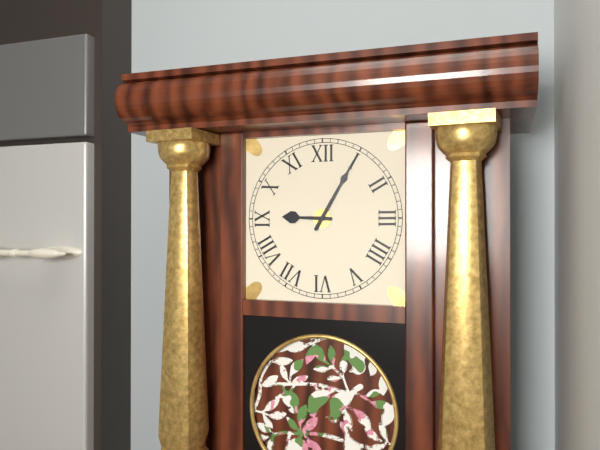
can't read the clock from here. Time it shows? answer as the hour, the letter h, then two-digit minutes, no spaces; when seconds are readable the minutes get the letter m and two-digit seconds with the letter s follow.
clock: 9h05
